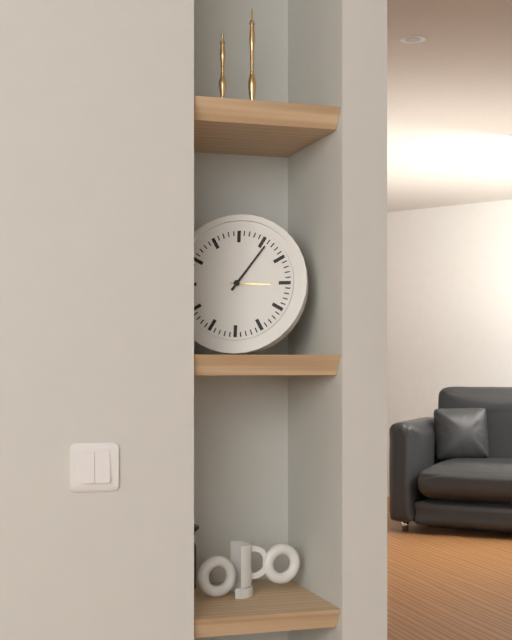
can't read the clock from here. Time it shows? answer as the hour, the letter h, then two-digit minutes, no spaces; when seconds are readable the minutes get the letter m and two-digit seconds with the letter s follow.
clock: 3h06
